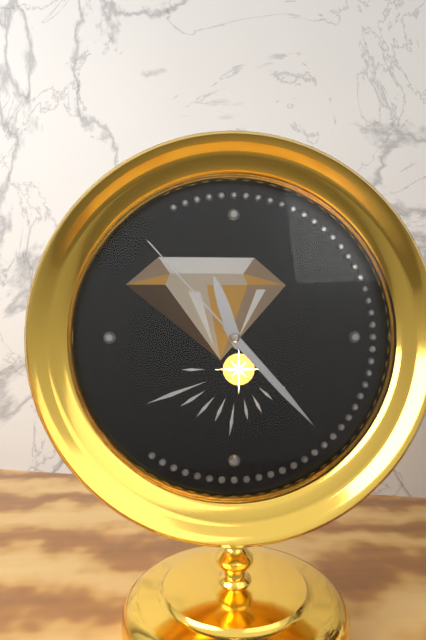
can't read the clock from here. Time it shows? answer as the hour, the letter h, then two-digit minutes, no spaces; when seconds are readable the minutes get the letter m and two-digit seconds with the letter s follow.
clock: 11h23m53s
